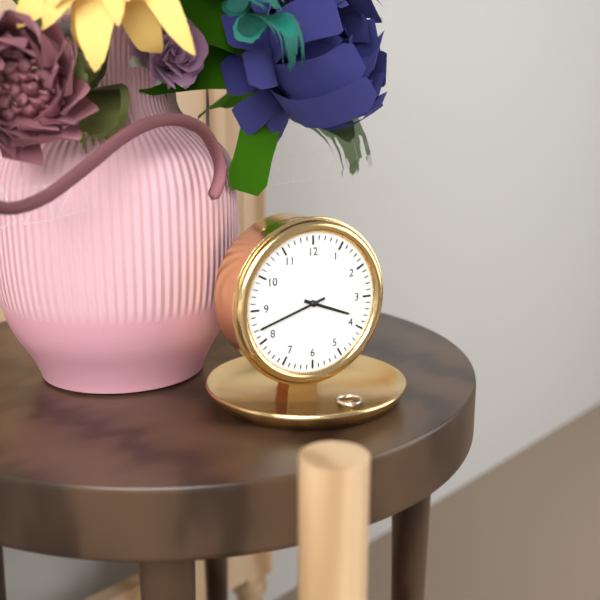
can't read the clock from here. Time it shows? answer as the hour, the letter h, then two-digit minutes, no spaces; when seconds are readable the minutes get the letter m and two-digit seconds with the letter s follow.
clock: 3h42
